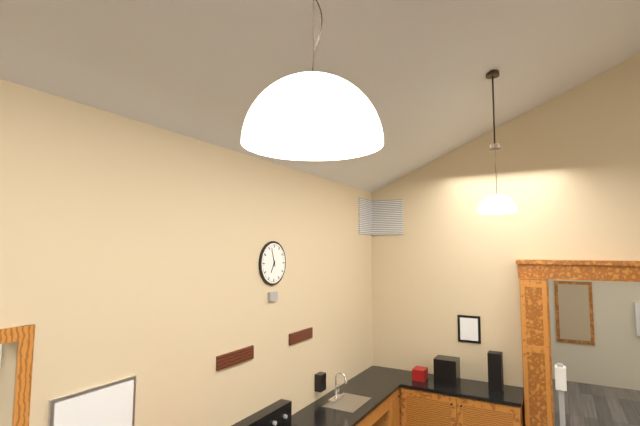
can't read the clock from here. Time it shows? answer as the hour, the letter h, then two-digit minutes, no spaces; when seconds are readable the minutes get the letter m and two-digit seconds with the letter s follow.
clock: 6h57
